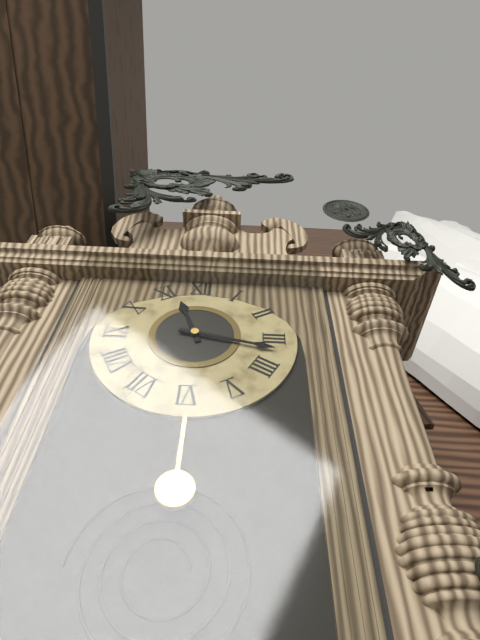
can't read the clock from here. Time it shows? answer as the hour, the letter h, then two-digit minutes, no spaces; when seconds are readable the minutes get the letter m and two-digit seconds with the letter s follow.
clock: 11h17
